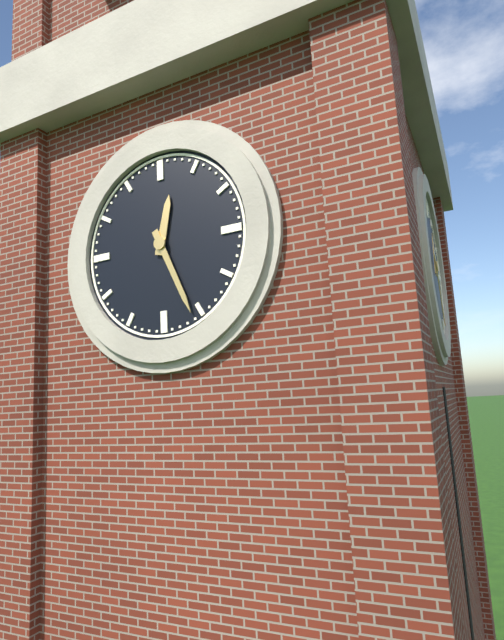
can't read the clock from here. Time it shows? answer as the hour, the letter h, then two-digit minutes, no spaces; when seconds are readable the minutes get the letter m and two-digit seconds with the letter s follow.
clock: 12h26
